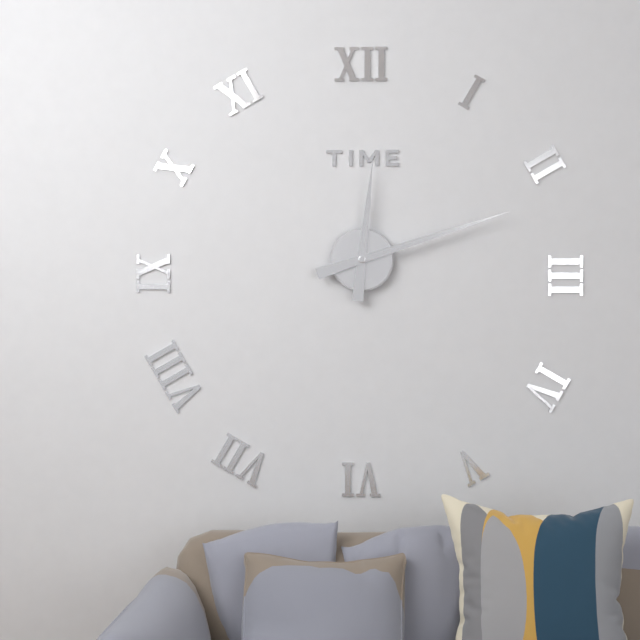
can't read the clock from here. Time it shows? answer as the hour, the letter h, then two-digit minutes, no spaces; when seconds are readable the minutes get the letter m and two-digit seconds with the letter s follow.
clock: 12h12
